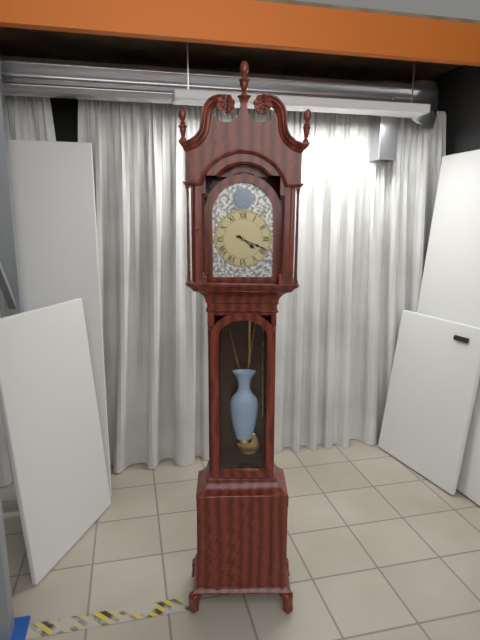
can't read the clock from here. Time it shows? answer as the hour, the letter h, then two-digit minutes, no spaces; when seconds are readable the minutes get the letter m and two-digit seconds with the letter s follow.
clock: 4h19
